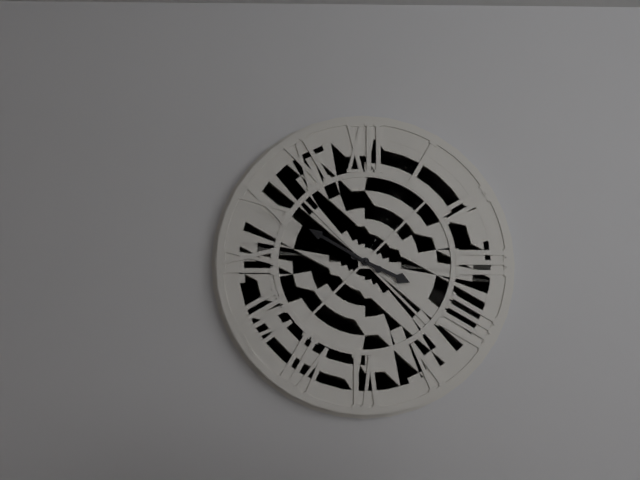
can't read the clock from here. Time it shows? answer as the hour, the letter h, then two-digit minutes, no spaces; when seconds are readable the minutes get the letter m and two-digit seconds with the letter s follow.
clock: 3h50
